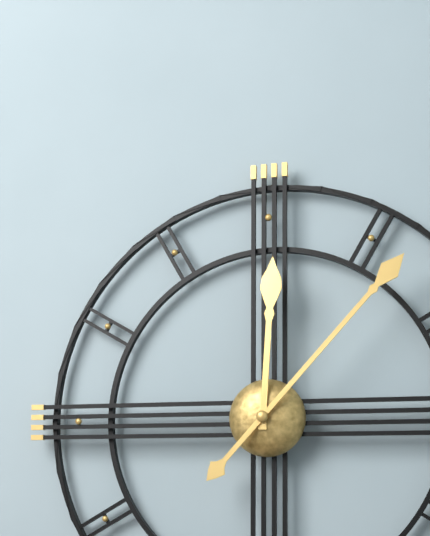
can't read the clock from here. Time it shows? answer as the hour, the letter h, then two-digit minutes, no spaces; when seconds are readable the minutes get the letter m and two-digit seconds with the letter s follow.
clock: 12h07
